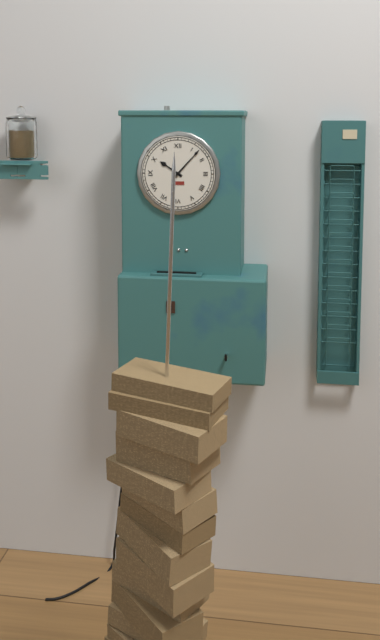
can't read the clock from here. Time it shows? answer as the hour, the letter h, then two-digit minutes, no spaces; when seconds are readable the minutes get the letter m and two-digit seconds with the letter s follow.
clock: 10h07
